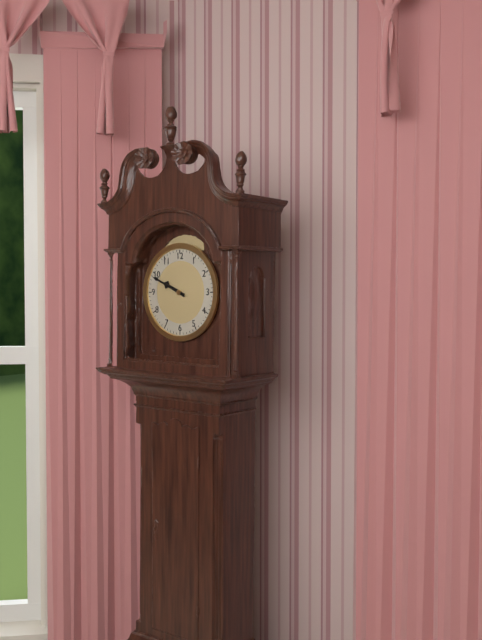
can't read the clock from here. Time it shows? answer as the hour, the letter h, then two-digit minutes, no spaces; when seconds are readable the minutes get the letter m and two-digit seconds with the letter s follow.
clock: 9h49
